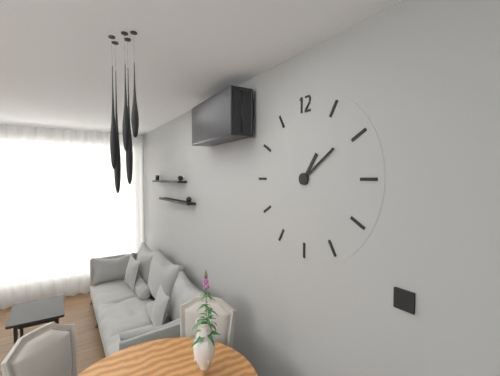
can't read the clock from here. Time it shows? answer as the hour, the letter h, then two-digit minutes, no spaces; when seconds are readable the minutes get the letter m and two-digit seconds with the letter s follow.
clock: 1h09
